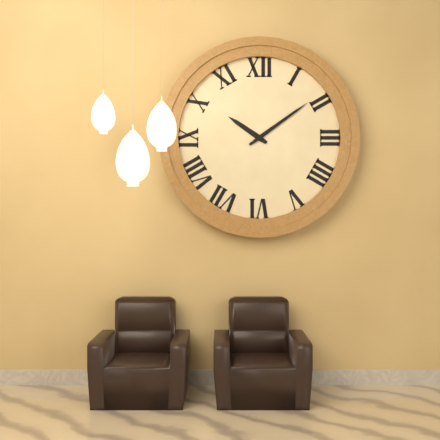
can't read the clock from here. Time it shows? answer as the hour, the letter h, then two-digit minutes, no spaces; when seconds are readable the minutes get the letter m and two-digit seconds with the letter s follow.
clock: 10h09
